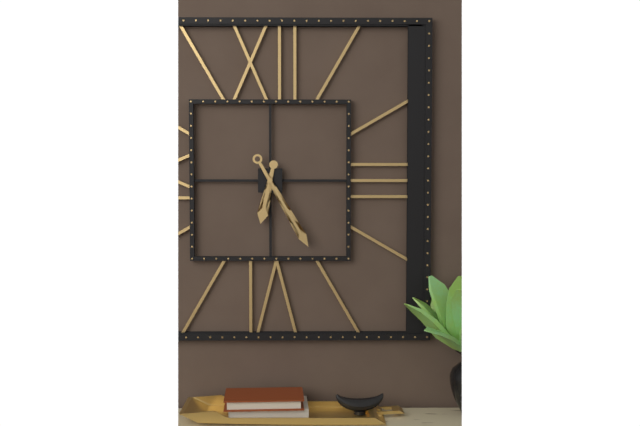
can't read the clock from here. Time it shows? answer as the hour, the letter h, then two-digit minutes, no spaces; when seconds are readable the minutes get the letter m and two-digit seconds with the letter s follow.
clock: 6h25
